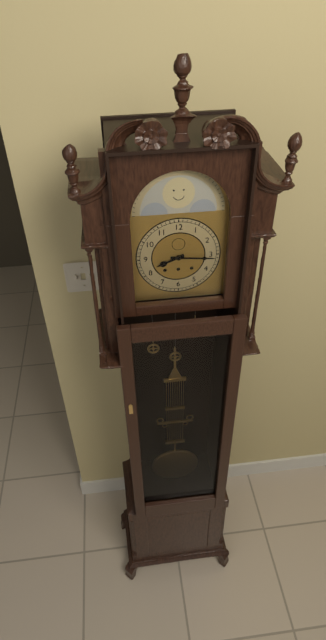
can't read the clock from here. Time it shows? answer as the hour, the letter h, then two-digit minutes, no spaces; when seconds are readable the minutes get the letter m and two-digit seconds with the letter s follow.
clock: 8h16
